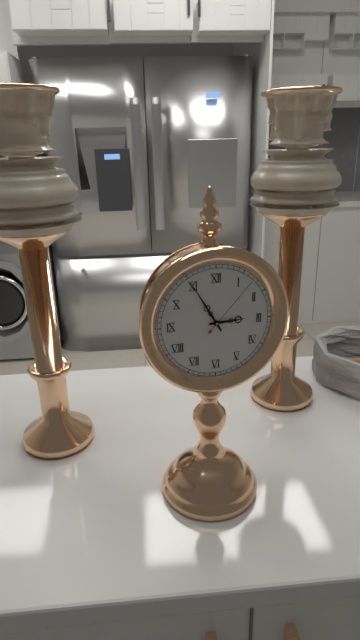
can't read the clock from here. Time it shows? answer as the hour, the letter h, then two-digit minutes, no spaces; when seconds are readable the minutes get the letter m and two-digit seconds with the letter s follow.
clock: 2h55m07s
